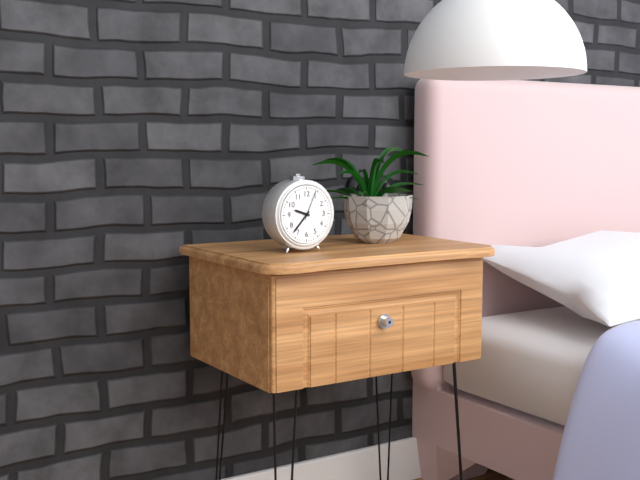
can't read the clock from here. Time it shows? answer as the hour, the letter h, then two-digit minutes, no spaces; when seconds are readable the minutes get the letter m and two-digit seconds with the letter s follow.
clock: 9h37
